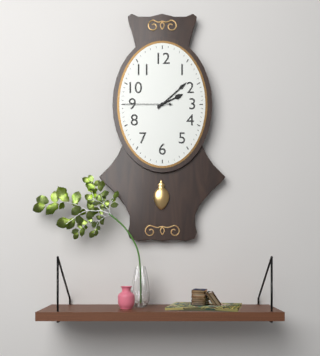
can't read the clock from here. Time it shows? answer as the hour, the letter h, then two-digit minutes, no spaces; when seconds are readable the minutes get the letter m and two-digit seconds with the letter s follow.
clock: 2h08m45s
